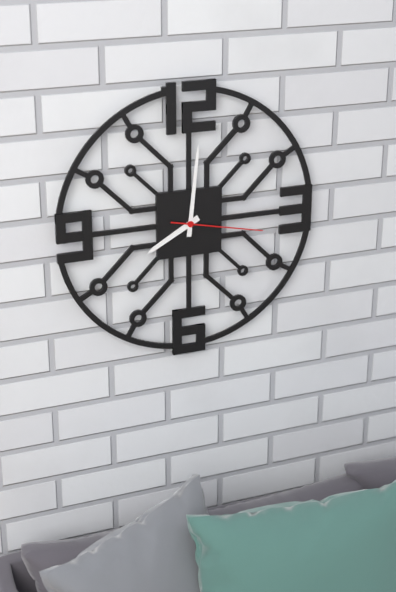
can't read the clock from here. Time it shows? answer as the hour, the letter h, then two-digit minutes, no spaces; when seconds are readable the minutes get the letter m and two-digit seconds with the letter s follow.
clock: 8h01m17s
